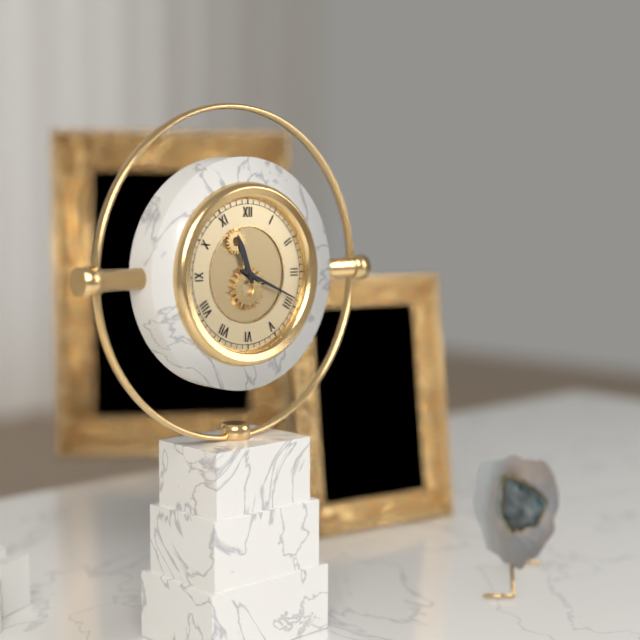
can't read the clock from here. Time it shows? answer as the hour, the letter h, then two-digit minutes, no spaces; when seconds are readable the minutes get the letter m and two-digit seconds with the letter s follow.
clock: 11h19
